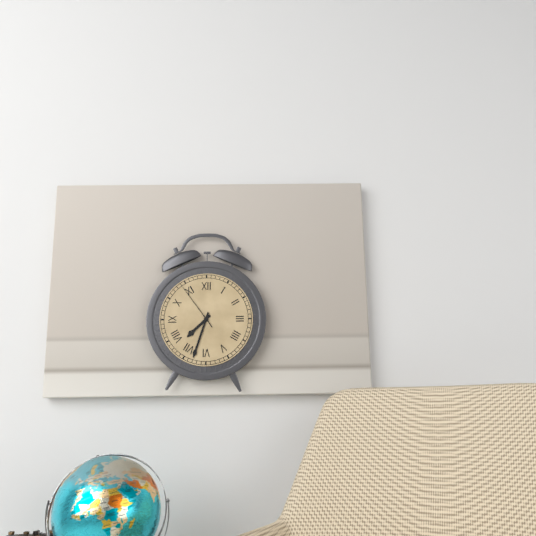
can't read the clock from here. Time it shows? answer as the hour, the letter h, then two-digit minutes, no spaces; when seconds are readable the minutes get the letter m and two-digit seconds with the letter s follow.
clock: 7h33m54s
